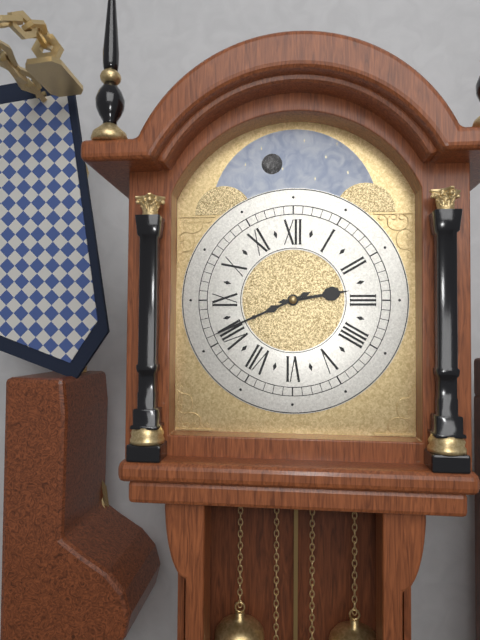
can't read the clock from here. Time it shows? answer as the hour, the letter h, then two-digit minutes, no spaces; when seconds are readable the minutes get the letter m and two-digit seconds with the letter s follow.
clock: 2h41
